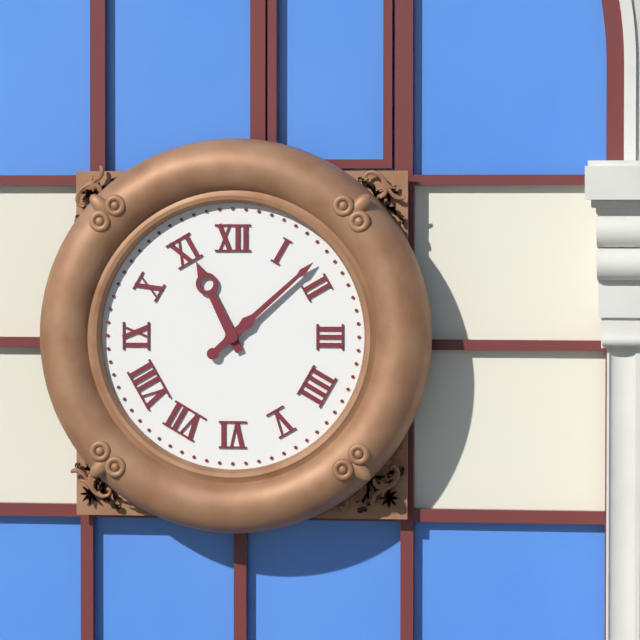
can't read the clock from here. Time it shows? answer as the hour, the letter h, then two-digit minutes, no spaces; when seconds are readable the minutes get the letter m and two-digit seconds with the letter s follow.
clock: 11h08
